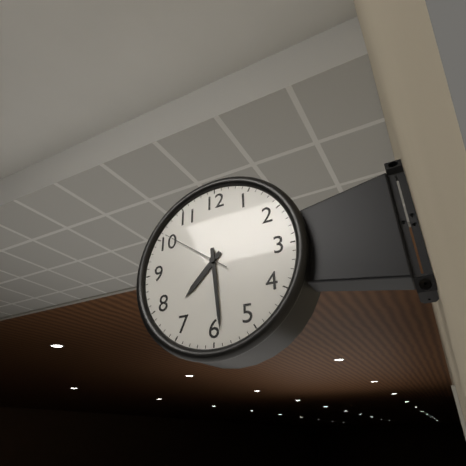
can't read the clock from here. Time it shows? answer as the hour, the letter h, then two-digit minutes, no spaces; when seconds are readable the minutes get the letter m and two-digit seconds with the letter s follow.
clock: 7h29m51s
